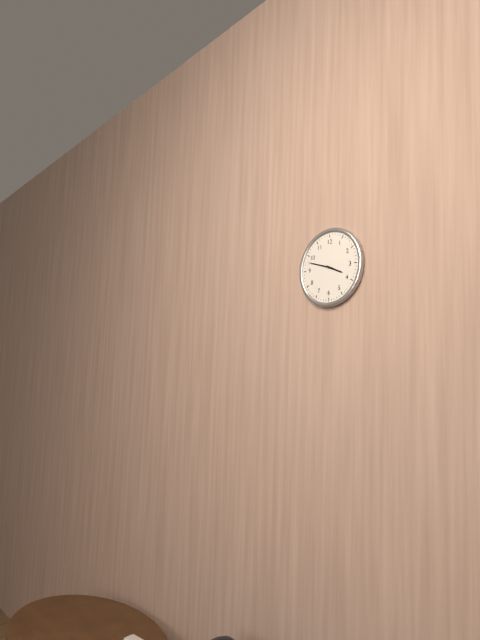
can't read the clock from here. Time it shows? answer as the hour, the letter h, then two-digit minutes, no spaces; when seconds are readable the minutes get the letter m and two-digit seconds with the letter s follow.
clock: 3h48
